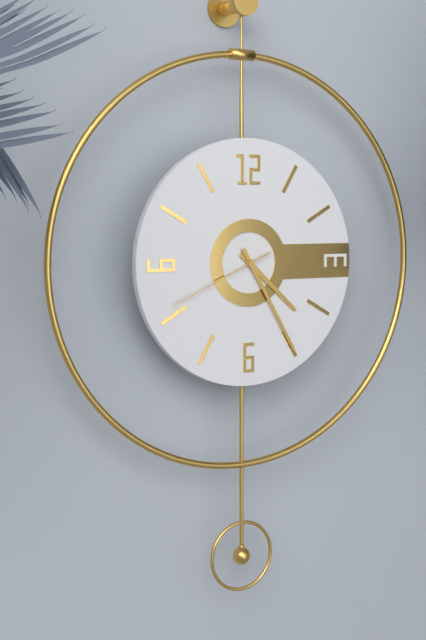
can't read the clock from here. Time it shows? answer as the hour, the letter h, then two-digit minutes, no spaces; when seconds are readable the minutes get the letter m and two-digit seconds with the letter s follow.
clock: 4h25m41s
